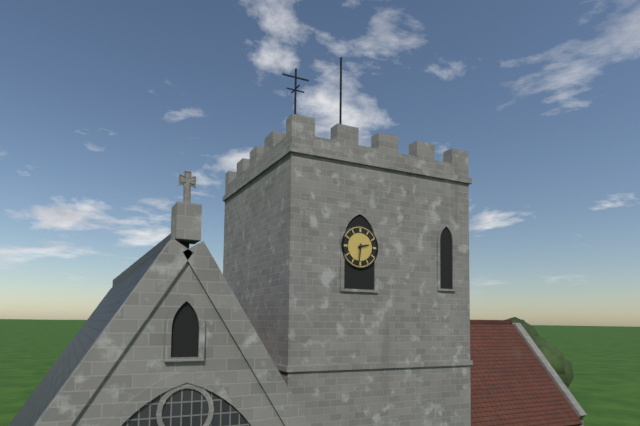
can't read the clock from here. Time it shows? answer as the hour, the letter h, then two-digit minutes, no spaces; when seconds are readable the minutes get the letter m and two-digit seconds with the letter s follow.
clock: 2h31
